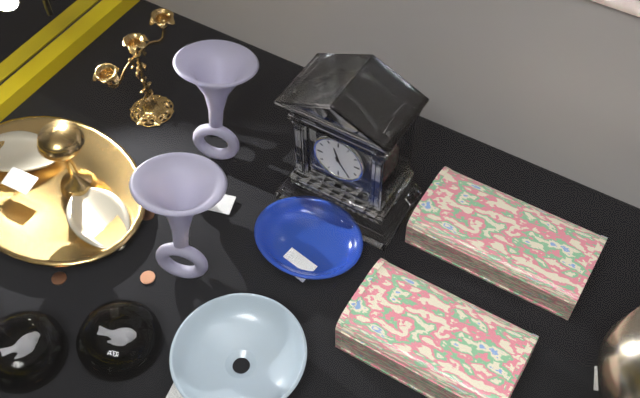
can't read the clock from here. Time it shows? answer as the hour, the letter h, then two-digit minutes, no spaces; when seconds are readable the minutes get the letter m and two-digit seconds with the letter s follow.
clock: 11h24
